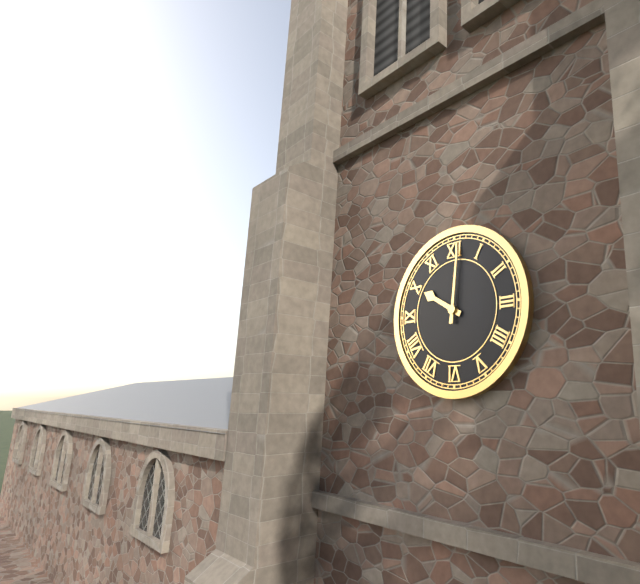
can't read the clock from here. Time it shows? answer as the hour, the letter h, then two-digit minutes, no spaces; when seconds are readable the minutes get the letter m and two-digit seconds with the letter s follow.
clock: 10h01
